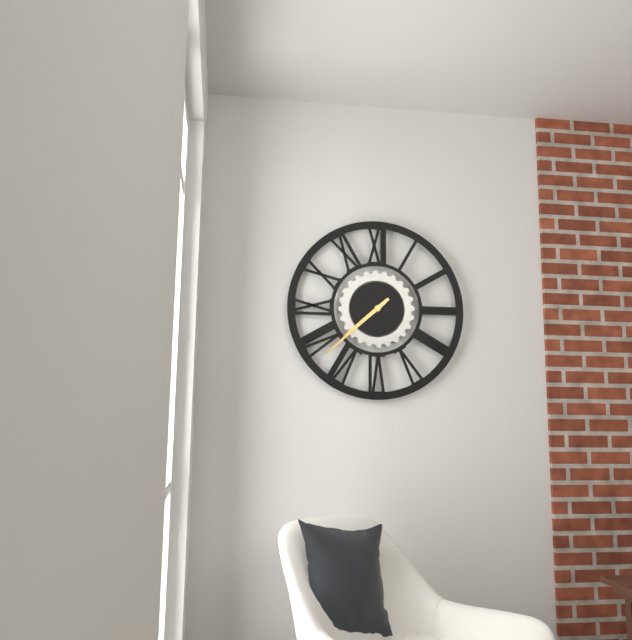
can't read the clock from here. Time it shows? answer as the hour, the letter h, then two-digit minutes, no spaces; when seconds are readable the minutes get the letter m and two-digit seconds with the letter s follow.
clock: 7h38
